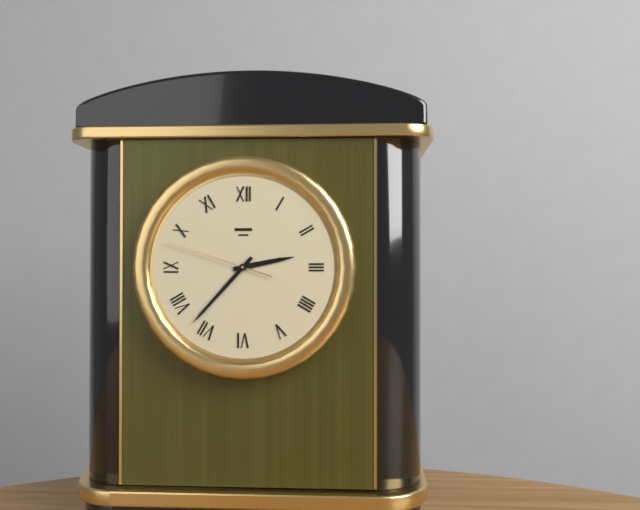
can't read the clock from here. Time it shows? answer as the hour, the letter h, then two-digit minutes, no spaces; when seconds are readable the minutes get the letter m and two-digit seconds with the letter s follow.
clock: 2h37m48s
